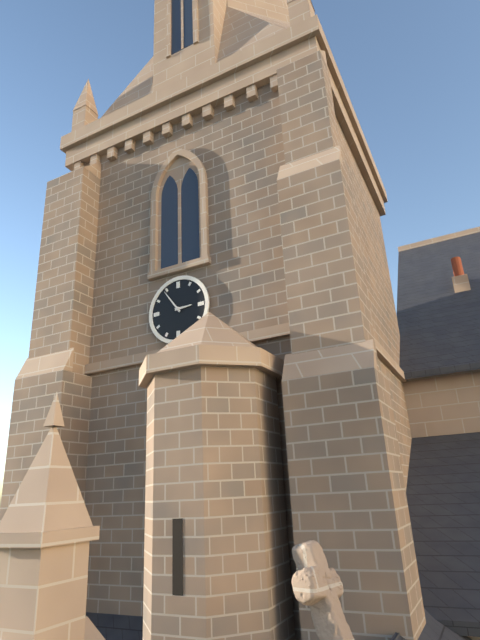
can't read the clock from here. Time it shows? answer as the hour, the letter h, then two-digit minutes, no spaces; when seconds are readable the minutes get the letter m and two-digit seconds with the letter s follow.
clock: 2h54
